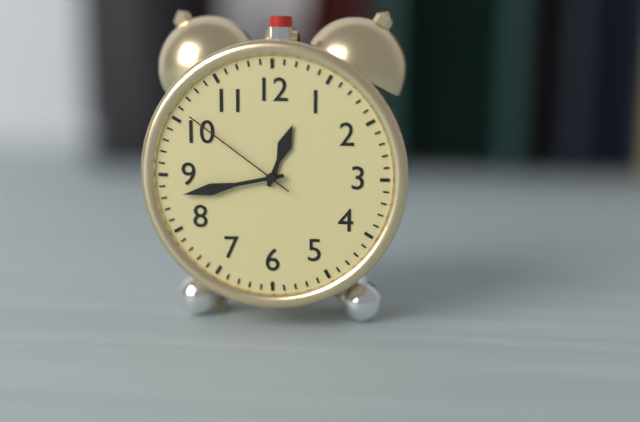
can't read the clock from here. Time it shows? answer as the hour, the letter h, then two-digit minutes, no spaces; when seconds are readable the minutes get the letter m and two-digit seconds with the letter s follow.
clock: 12h43m51s
